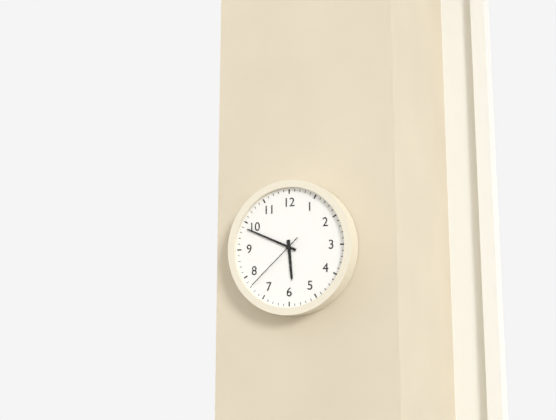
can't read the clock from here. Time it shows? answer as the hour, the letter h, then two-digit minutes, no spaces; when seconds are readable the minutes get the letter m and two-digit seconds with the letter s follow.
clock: 5h49m38s
